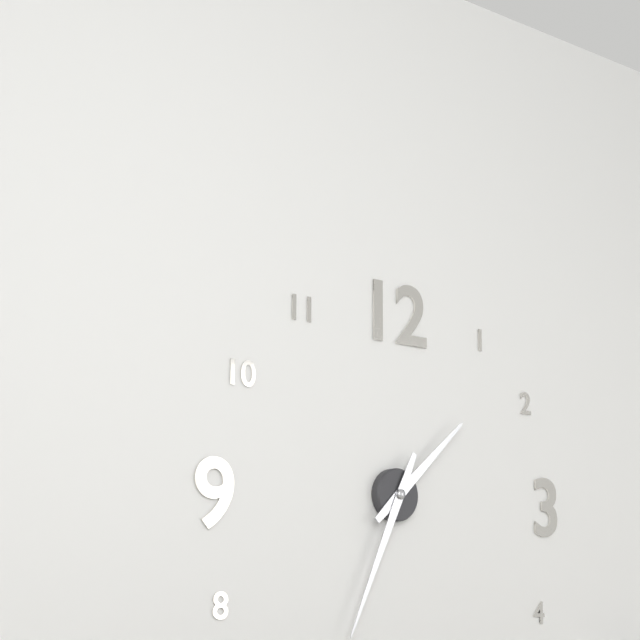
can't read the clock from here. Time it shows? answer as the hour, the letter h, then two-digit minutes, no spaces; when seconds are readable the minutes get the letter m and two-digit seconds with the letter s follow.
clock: 1h34
